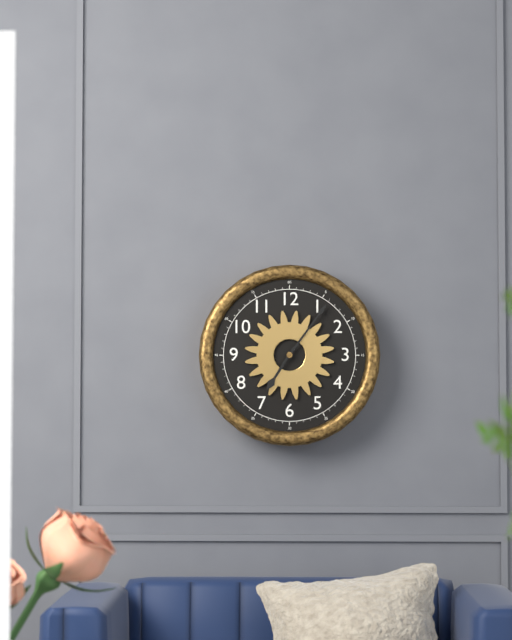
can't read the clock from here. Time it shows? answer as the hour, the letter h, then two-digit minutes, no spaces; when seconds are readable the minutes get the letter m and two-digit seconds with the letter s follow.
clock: 7h06
